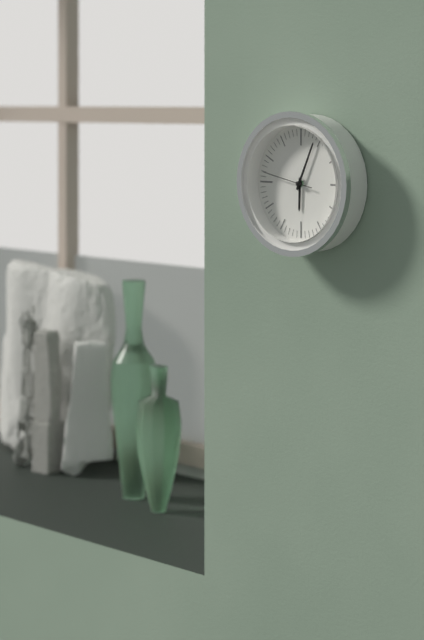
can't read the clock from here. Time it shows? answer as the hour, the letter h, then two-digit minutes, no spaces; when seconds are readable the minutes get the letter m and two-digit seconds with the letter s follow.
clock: 6h04
